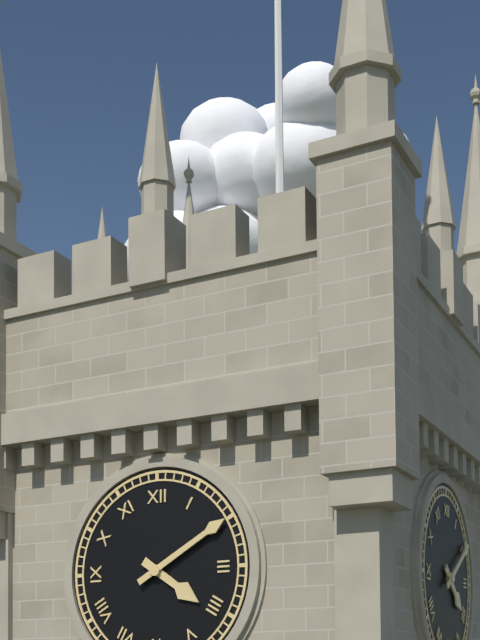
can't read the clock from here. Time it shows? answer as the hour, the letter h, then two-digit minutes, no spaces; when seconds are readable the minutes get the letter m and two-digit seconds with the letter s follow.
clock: 4h10
